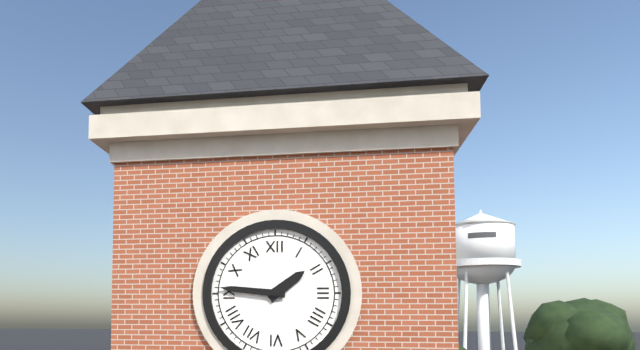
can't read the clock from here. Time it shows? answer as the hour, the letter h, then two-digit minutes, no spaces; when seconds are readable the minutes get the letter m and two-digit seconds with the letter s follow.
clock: 1h46
